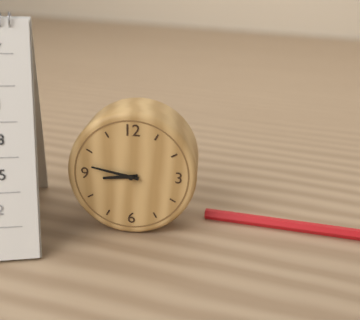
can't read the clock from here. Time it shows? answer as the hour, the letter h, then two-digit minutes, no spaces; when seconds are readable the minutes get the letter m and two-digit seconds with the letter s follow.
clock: 8h47
